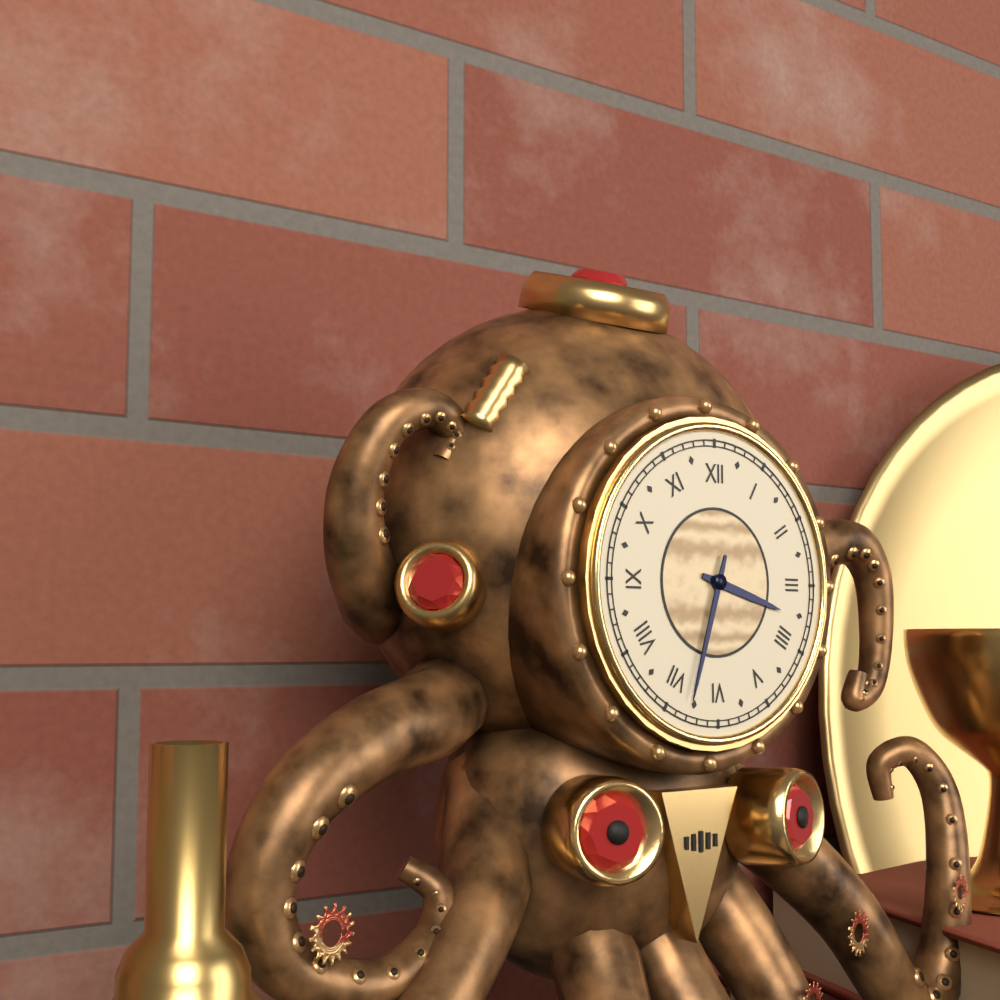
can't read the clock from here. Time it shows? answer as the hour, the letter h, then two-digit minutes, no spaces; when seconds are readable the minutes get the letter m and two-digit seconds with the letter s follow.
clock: 3h33
